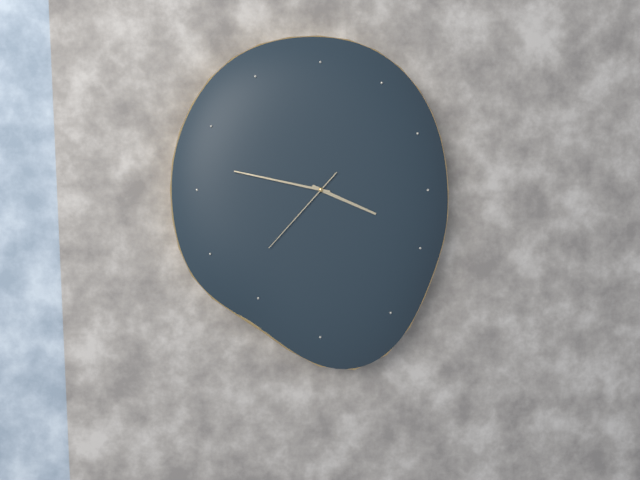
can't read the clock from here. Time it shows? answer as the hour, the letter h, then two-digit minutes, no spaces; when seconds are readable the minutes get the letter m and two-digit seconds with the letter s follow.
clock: 3h47m37s
